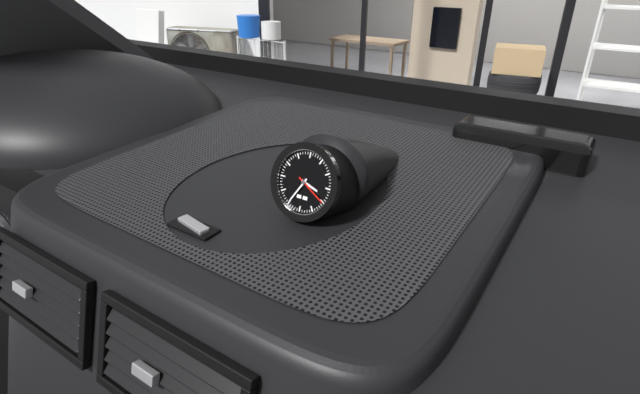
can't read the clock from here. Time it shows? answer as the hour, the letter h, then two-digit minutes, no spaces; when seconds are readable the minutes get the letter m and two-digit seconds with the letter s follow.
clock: 3h35
